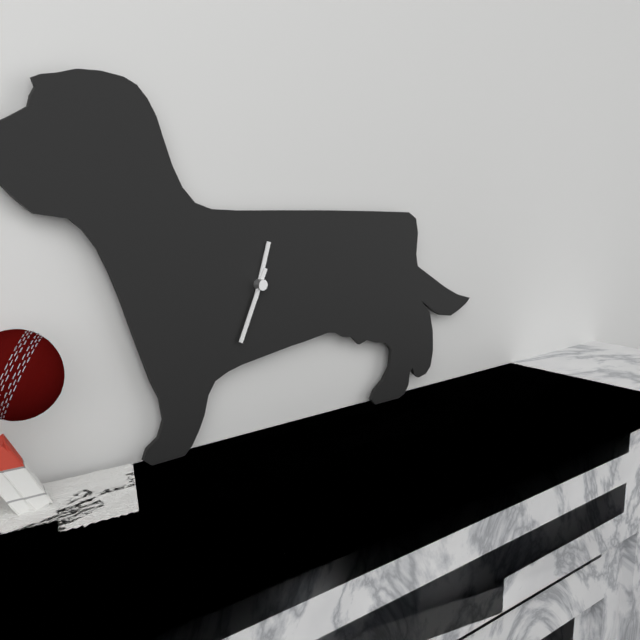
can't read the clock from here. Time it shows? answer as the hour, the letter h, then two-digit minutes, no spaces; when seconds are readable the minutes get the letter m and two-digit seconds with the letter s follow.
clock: 12h34
